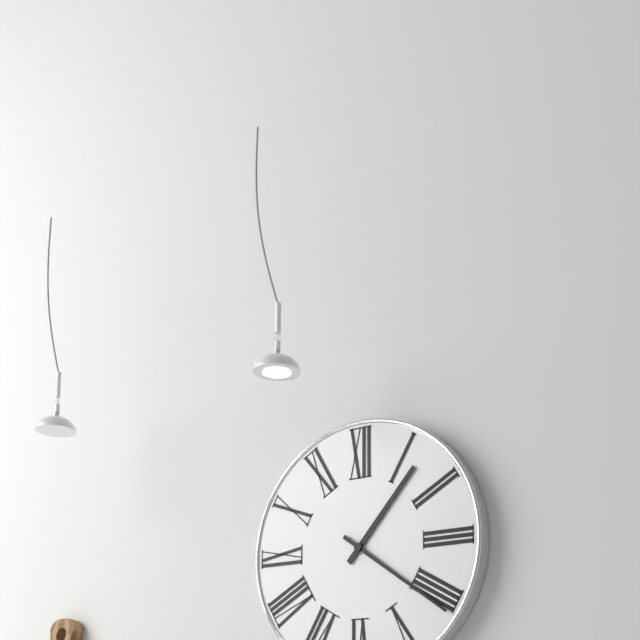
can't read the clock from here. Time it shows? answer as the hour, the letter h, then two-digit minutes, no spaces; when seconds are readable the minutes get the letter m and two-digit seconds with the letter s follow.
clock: 1h21
